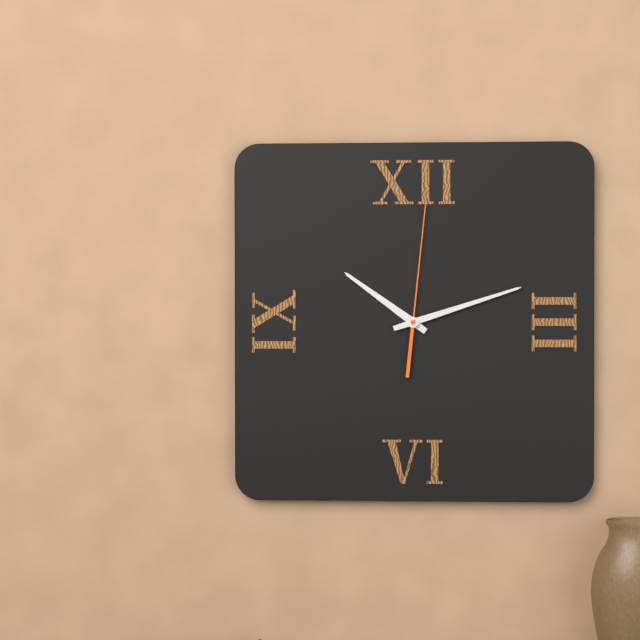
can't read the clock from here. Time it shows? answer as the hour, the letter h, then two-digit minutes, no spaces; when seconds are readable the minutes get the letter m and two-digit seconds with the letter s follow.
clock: 10h12m01s
